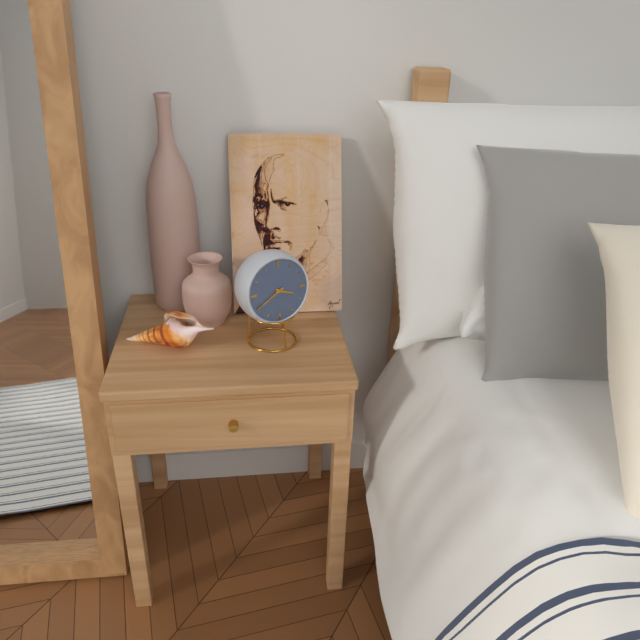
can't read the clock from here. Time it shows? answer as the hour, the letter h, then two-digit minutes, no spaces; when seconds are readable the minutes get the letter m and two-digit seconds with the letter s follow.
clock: 3h40
